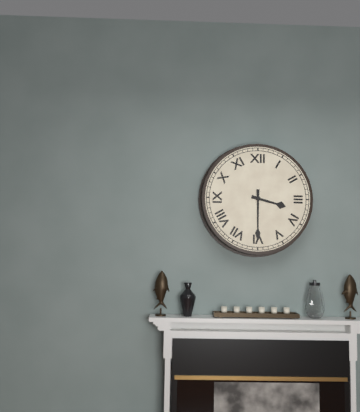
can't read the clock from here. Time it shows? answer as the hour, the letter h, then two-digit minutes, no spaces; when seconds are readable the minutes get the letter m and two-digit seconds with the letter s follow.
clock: 3h30
